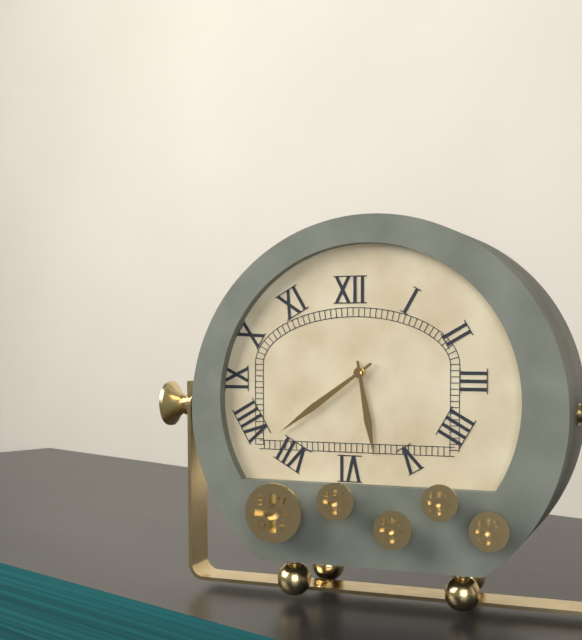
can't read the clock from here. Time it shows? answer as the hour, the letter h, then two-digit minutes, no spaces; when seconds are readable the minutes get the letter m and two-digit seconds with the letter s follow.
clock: 5h39
